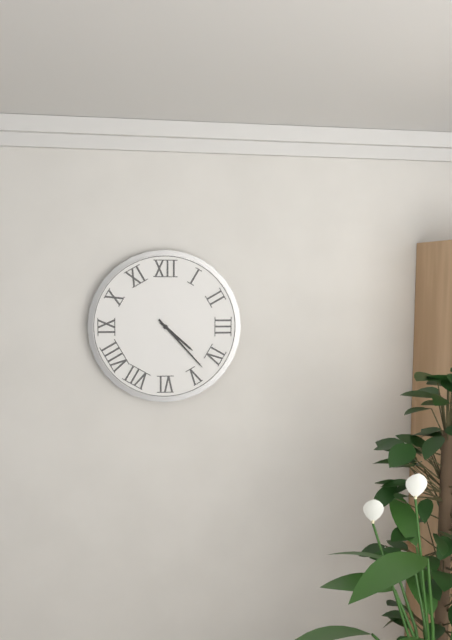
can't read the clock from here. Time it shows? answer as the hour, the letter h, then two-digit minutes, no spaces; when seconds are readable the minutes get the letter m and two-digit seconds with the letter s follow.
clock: 4h23
